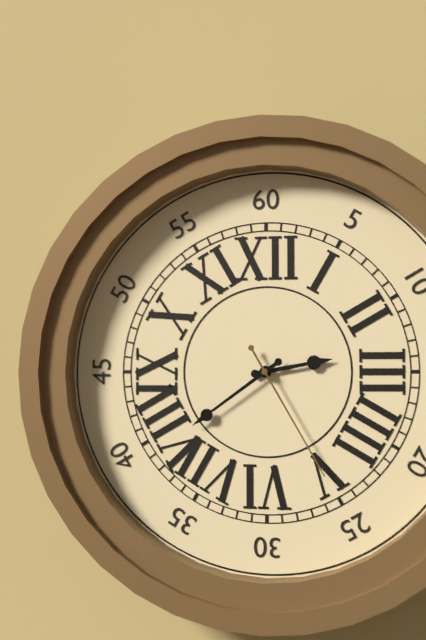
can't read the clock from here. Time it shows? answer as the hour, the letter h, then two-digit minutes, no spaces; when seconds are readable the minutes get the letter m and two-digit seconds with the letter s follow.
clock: 2h39m25s
